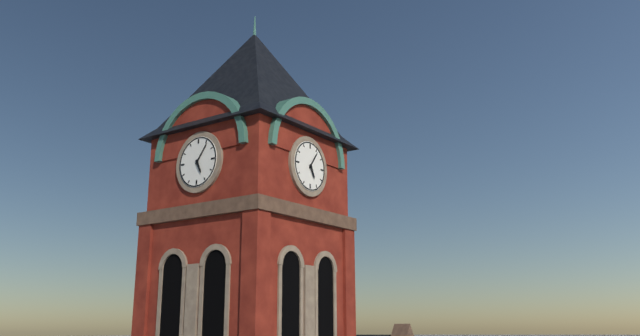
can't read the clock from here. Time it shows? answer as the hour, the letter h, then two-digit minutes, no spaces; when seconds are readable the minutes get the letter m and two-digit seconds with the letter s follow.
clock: 5h06
